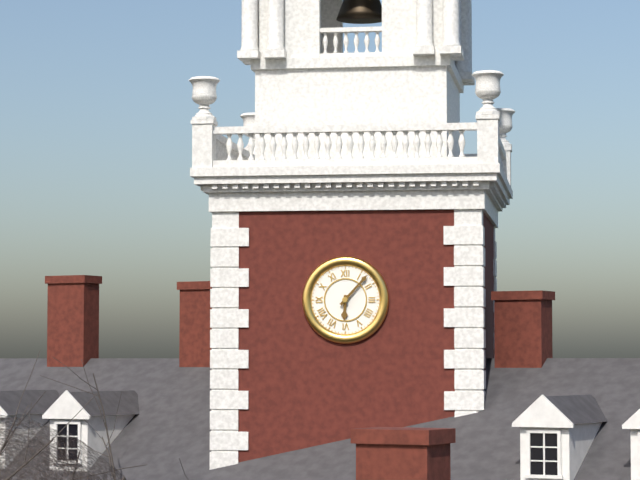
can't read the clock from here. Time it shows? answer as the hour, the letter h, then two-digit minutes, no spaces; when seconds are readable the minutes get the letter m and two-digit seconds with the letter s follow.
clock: 6h07
